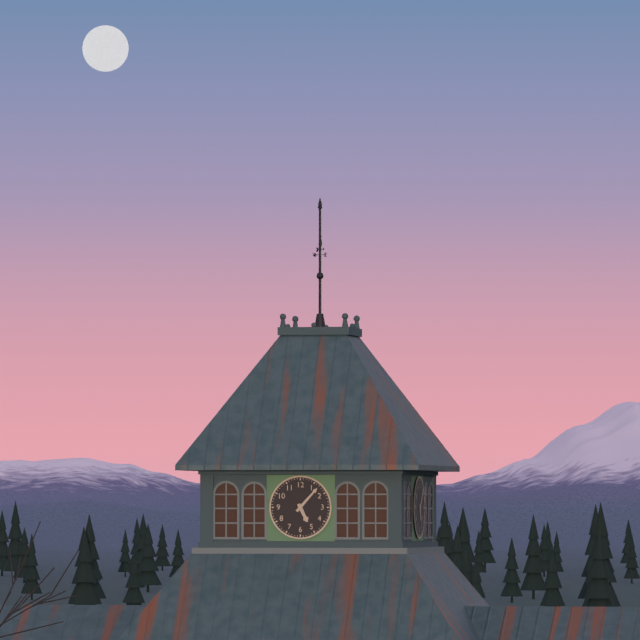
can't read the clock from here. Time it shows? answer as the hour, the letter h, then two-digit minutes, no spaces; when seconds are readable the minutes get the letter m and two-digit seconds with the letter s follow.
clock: 5h07
